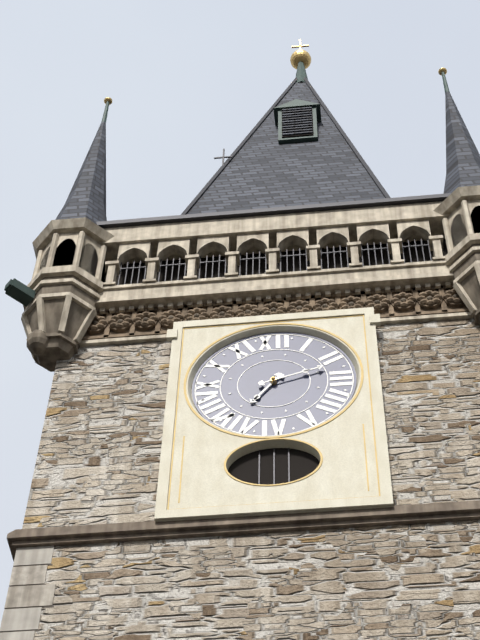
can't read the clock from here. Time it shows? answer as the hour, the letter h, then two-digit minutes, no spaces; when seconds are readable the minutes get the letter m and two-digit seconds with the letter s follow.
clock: 7h12
